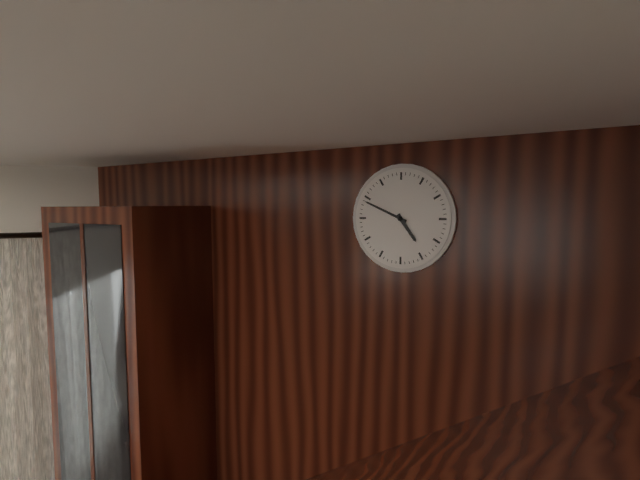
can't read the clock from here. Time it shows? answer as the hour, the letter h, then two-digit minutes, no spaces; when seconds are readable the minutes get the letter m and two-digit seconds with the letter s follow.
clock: 4h49
